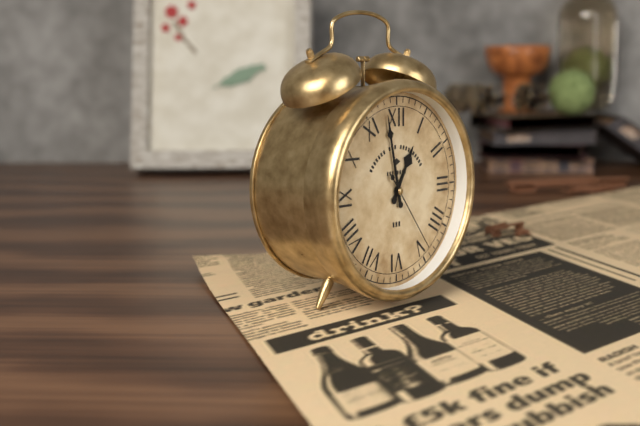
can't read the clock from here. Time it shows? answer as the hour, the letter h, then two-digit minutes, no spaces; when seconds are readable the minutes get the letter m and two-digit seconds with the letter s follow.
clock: 12h58m24s
